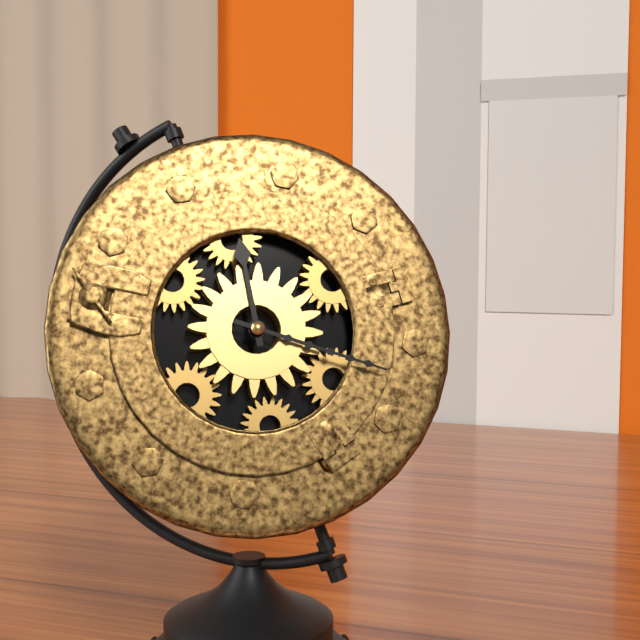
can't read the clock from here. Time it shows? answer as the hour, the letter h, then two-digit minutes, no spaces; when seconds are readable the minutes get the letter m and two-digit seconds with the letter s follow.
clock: 11h16
